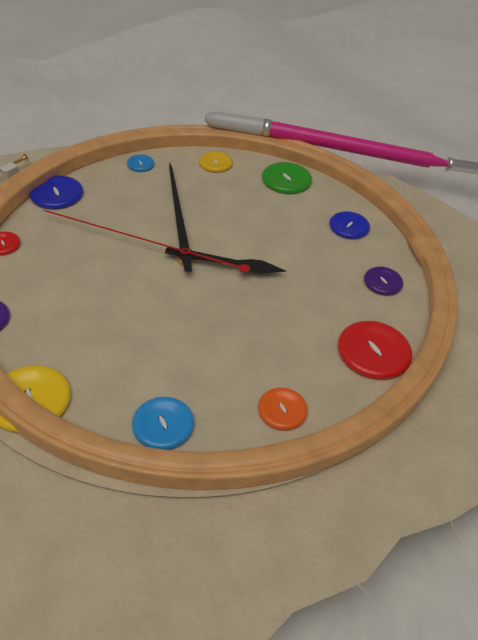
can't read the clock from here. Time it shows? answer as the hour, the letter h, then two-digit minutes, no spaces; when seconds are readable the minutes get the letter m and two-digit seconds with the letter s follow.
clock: 7h18m08s
